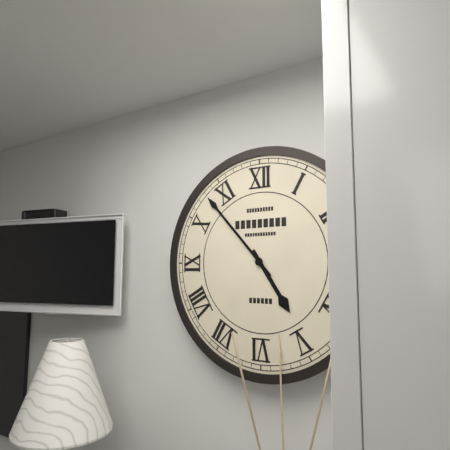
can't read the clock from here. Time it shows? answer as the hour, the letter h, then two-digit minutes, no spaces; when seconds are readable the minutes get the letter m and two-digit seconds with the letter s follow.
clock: 4h53
